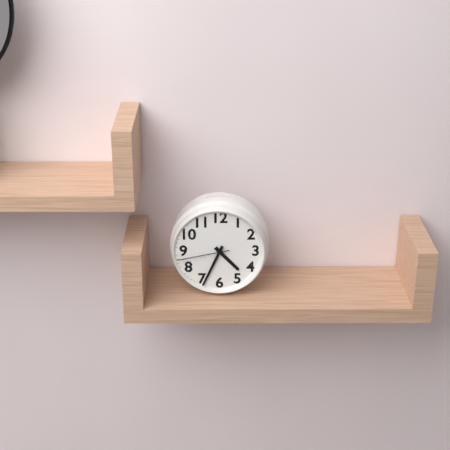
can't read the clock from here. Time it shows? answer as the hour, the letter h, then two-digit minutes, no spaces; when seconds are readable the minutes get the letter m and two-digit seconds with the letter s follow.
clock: 4h34m43s
